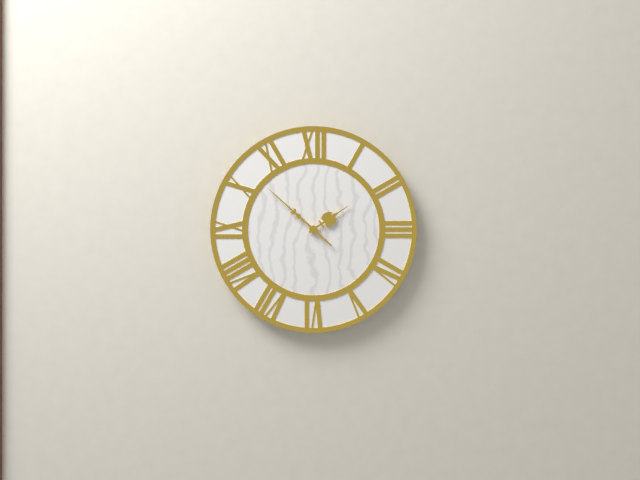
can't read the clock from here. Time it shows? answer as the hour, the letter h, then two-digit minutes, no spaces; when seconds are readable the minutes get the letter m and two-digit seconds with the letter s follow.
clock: 1h52
